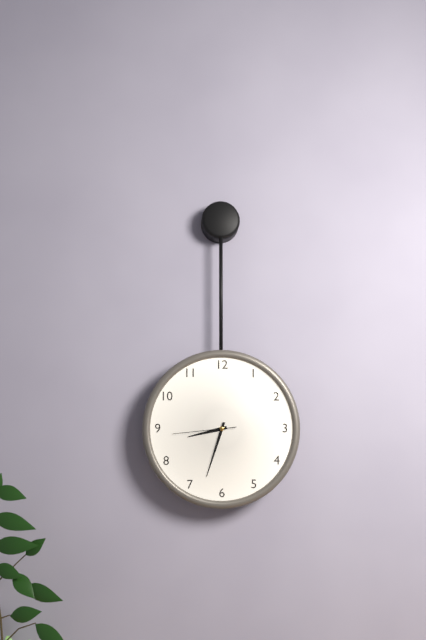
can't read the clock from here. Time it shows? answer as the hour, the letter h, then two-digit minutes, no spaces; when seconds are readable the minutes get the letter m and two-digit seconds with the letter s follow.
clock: 8h33m44s
